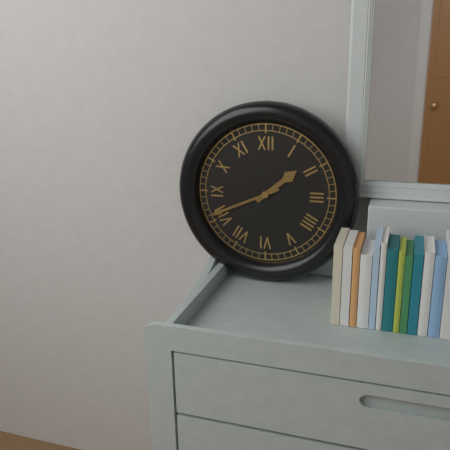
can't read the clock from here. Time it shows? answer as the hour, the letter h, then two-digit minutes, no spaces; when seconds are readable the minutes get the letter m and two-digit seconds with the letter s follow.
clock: 1h41
